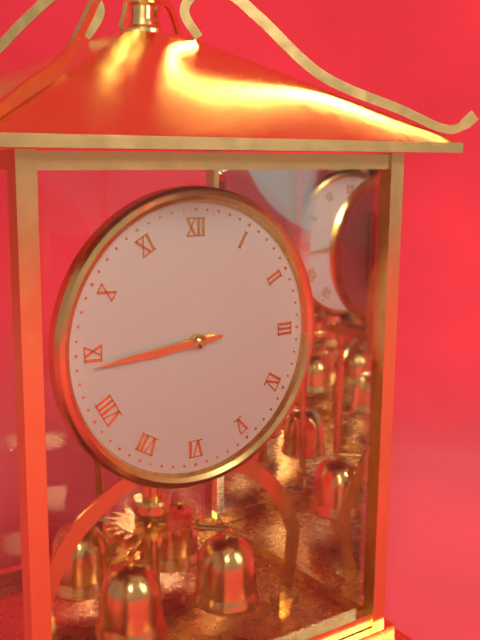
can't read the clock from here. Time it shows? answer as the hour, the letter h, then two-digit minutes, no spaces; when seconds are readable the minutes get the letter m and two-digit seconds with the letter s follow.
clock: 8h44
